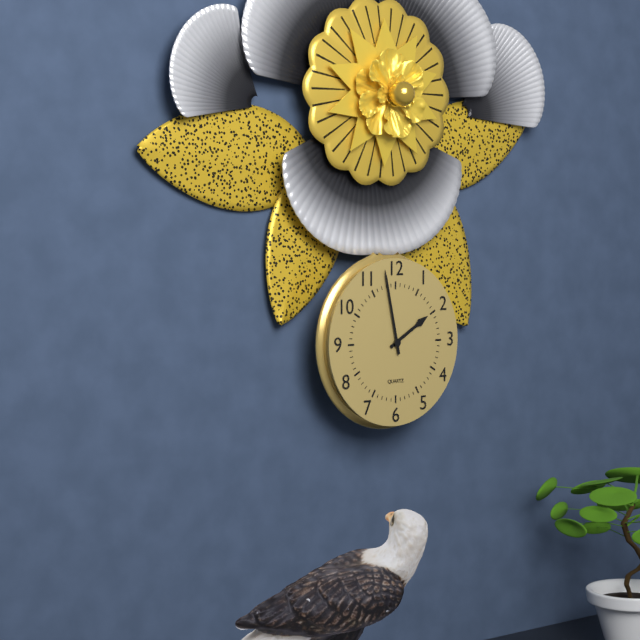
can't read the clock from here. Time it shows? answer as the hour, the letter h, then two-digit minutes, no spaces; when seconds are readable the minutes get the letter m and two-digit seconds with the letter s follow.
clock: 1h58
